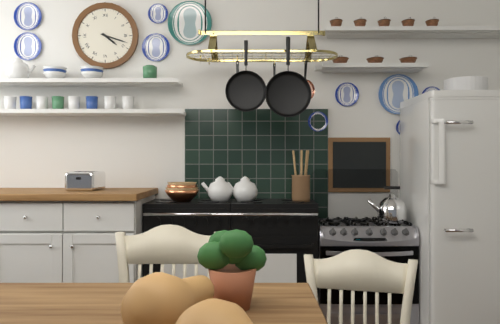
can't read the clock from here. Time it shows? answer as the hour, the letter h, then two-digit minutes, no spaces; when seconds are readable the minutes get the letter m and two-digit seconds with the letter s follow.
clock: 4h18
